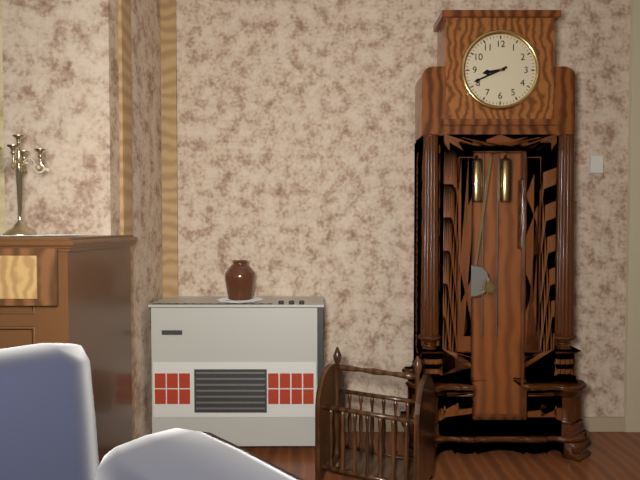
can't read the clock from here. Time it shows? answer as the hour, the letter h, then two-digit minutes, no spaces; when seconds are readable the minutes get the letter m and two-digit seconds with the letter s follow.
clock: 8h41
